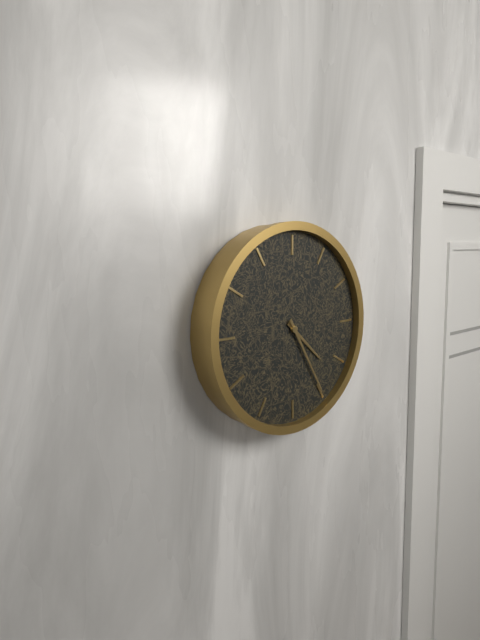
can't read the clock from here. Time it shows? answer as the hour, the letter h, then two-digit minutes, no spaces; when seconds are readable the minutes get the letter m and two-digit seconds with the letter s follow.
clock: 4h25
